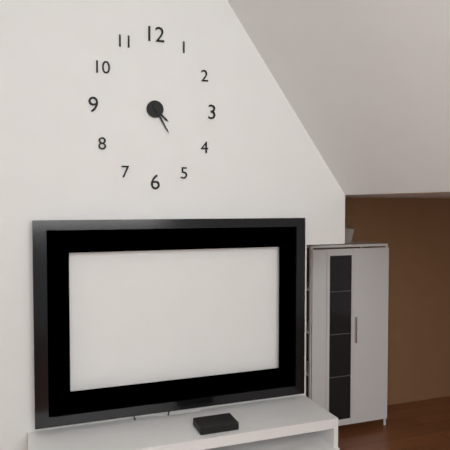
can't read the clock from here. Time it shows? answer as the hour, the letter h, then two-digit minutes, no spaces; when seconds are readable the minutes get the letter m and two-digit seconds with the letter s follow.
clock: 4h25
